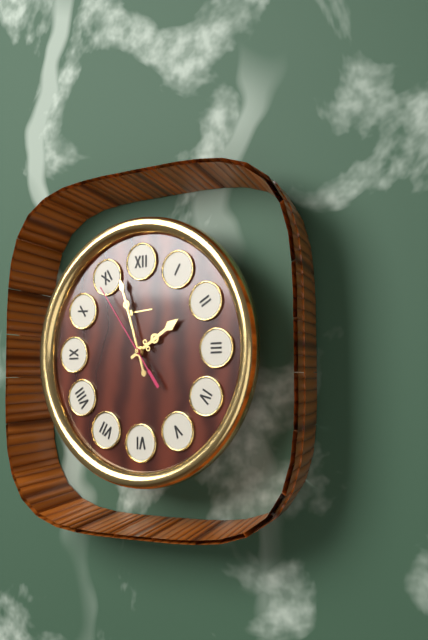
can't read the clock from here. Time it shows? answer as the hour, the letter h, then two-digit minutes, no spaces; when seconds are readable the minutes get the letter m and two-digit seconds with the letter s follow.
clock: 1h57m54s
